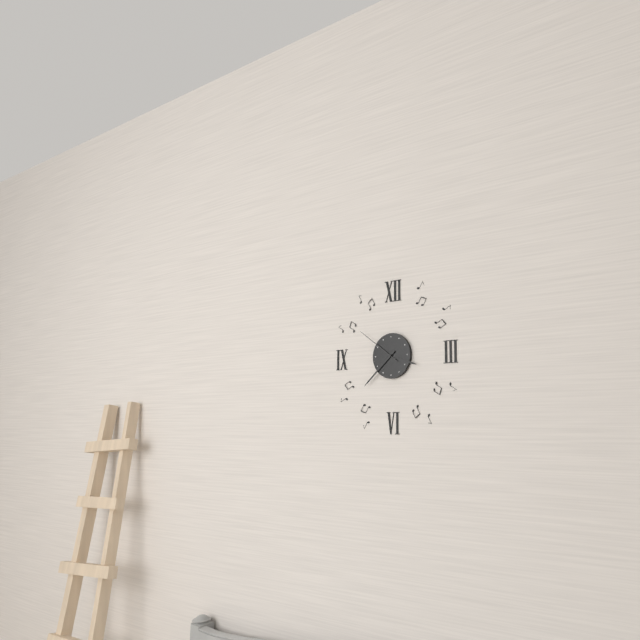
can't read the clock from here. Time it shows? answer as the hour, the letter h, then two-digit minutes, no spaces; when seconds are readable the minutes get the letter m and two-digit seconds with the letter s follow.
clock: 3h38
